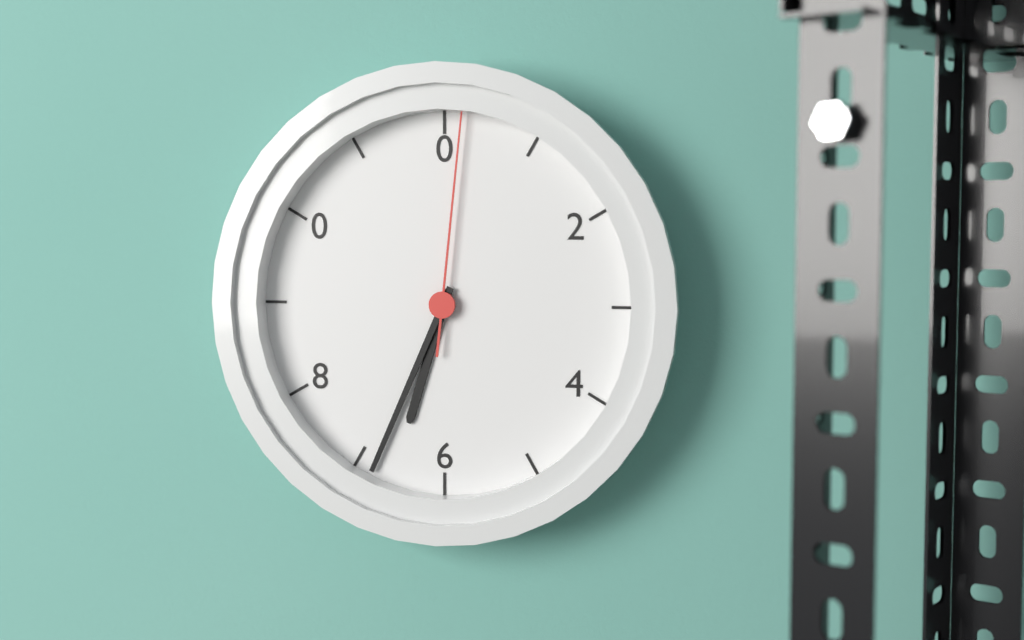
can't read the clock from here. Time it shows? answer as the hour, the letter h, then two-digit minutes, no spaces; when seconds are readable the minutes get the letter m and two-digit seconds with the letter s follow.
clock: 6h34m01s
